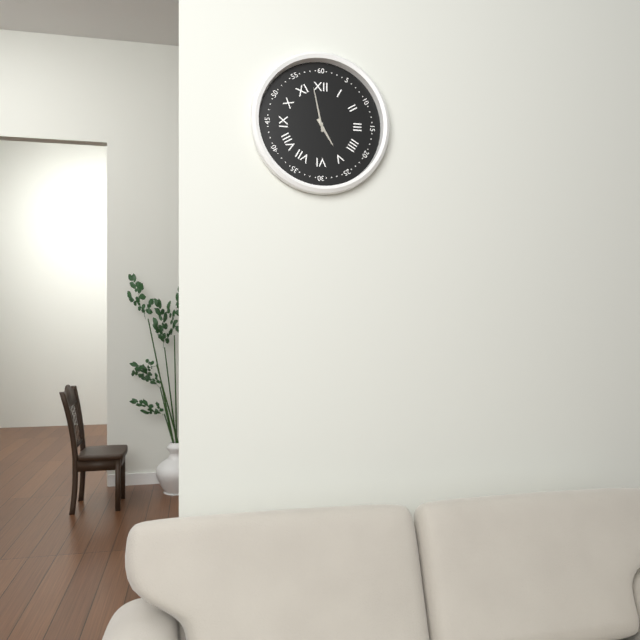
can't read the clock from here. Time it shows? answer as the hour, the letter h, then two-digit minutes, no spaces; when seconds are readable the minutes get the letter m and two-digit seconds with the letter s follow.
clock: 4h58
